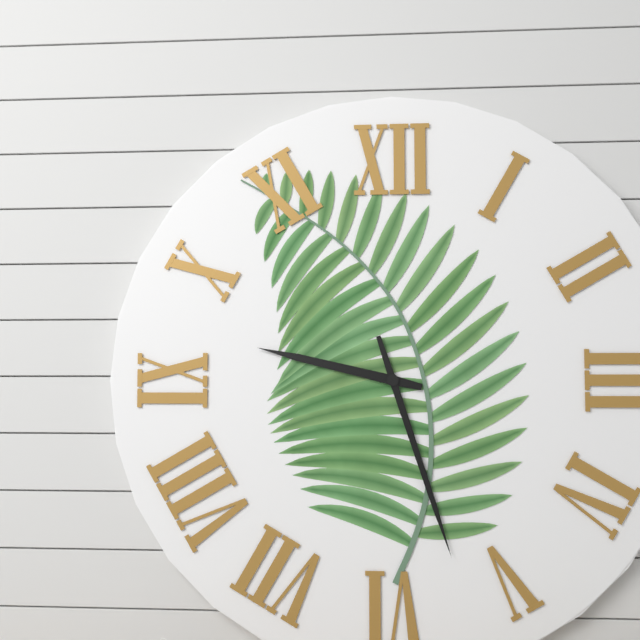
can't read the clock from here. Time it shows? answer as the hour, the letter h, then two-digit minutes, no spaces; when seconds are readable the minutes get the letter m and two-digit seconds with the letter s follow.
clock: 9h27
